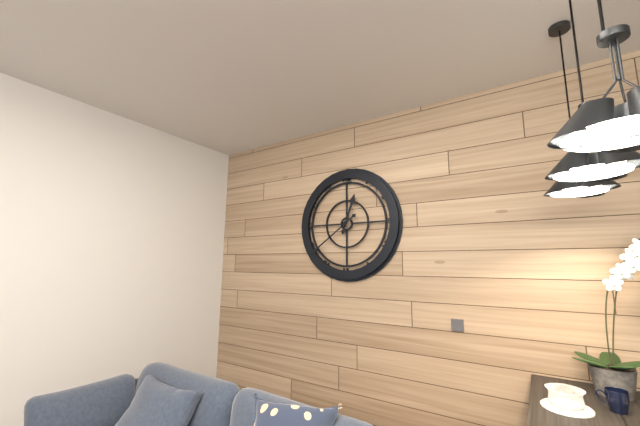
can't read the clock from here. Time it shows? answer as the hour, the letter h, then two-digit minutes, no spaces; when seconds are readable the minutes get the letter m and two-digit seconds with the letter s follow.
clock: 12h39
